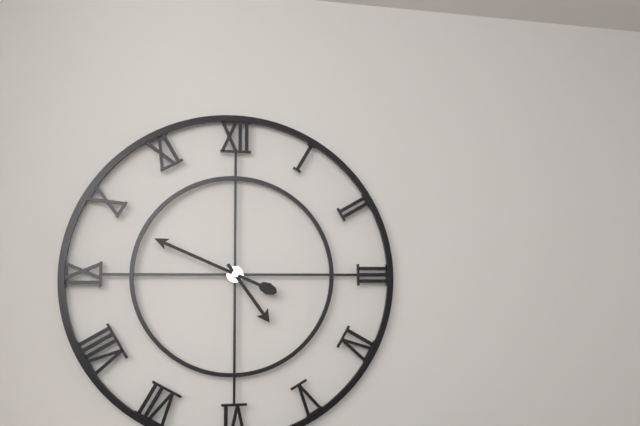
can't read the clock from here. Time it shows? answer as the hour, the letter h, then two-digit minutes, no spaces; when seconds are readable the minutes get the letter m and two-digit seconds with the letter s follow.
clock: 4h49
